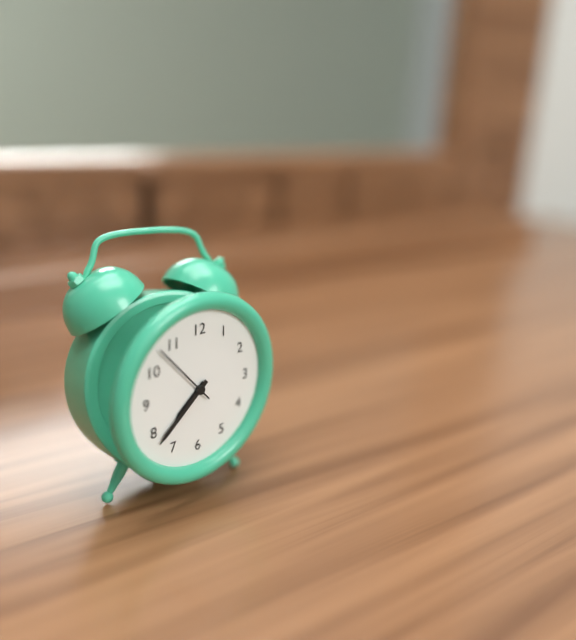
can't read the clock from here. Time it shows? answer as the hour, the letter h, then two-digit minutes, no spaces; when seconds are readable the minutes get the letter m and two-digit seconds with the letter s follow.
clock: 7h38m53s
